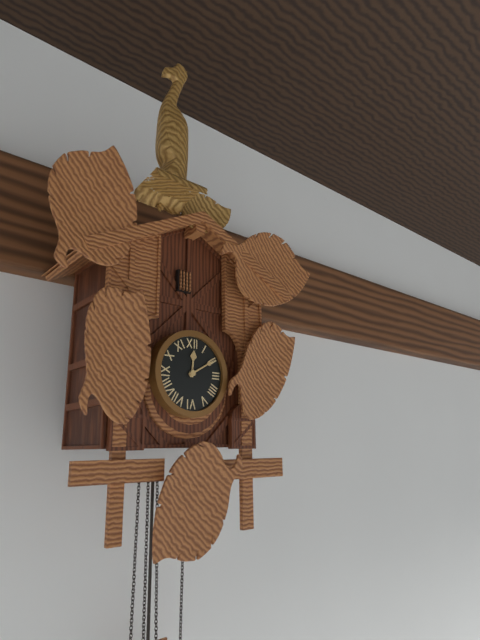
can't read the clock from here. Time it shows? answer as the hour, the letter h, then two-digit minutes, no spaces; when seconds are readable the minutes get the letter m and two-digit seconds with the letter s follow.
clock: 12h10
